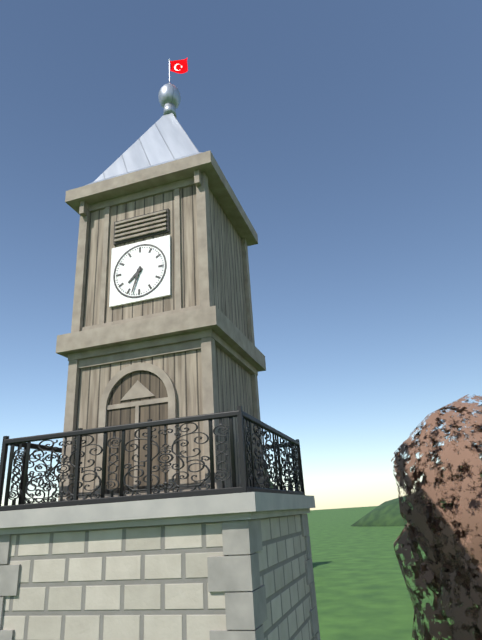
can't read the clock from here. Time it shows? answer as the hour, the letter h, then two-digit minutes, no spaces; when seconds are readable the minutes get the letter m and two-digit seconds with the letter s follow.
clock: 7h33
